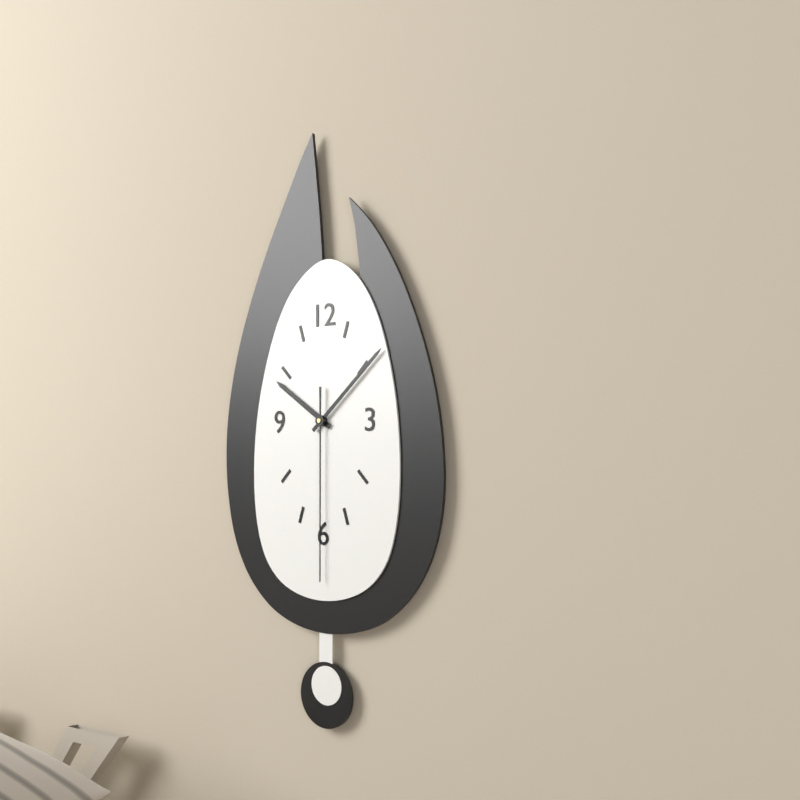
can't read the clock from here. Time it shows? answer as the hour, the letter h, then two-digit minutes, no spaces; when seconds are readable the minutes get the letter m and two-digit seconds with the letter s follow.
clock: 10h08m30s
